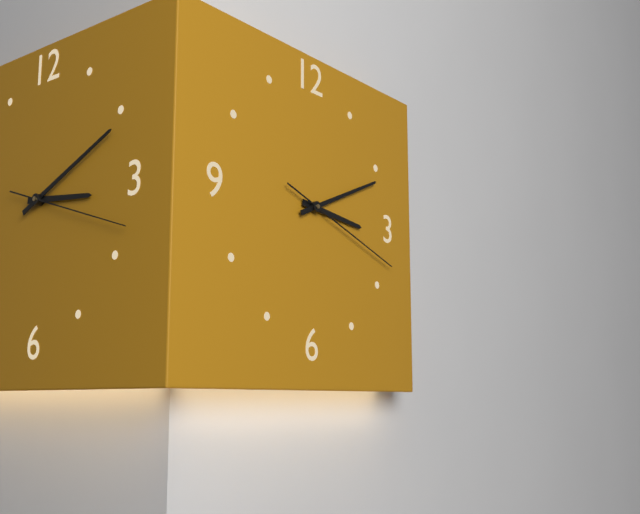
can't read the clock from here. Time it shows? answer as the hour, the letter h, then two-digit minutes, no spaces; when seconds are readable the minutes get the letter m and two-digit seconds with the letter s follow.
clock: 3h11m18s
